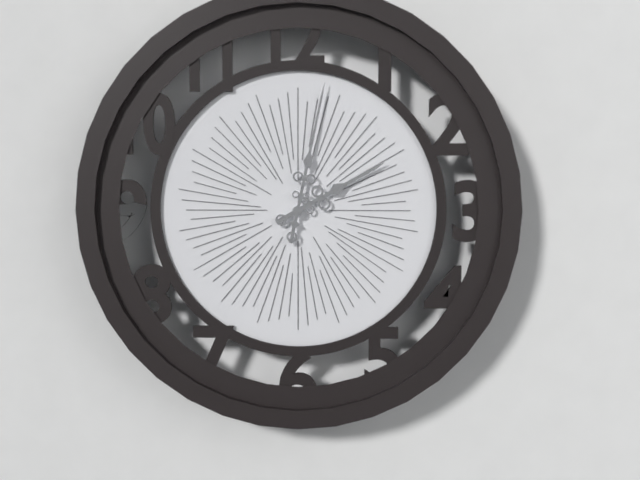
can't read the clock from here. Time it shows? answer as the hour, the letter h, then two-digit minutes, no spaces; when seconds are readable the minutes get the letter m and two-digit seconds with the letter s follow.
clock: 2h02
